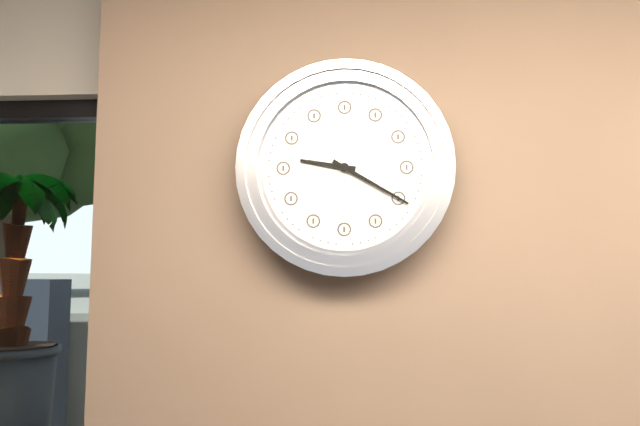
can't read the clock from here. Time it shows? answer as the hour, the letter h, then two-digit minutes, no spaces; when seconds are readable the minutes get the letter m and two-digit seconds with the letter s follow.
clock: 9h20
